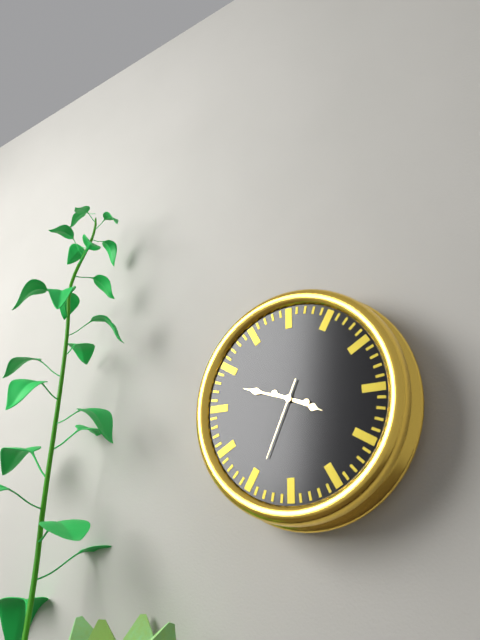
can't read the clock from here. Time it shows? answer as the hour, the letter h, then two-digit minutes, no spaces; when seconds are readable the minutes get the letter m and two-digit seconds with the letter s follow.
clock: 3h48m34s
